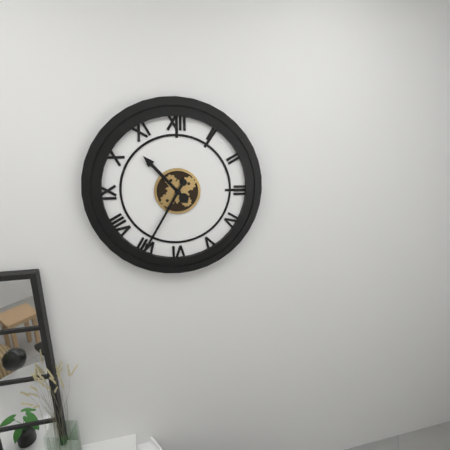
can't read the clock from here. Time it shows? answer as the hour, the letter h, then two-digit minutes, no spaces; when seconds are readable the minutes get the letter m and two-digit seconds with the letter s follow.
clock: 10h35
